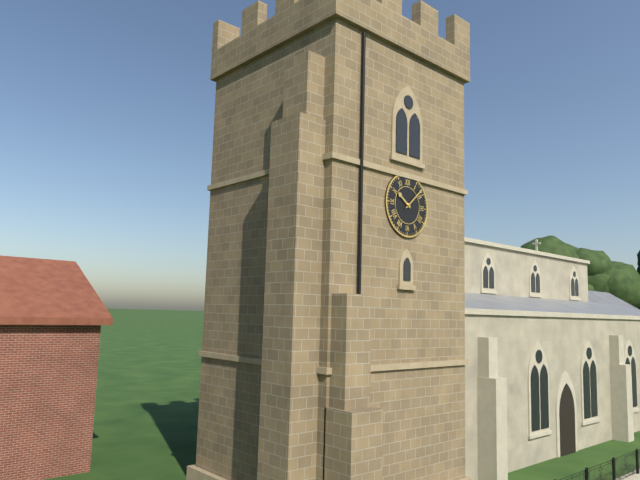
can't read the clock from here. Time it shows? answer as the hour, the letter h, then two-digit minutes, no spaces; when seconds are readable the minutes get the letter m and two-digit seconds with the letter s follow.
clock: 10h08
